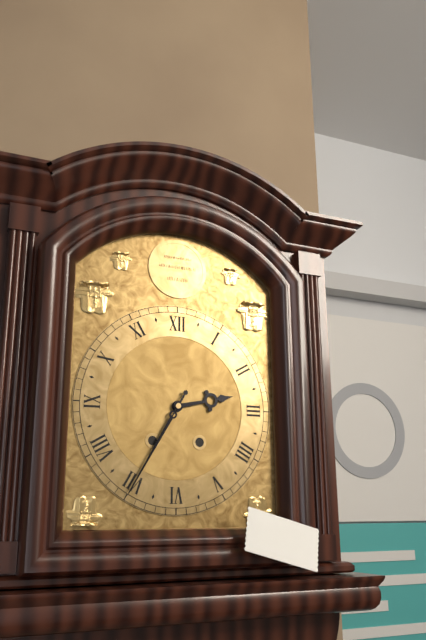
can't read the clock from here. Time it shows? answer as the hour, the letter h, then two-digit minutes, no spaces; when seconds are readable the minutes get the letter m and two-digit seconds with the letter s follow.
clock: 2h35
